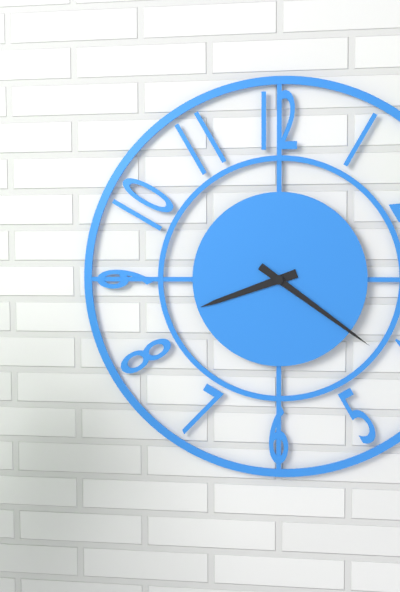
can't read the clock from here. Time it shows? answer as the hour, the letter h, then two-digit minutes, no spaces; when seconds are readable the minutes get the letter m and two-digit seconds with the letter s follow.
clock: 8h21
